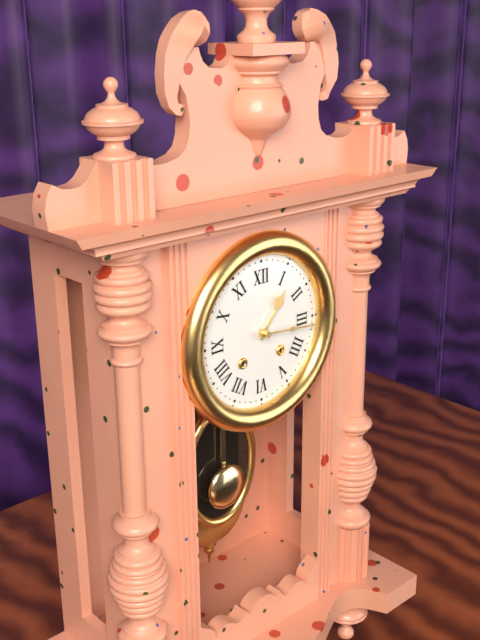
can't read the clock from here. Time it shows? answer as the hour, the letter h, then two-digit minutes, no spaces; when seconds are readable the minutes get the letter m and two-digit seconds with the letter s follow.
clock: 1h16
